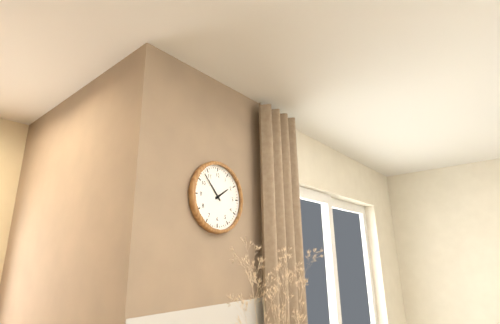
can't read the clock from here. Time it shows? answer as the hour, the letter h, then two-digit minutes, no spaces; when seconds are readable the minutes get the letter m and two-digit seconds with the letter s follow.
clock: 1h53
